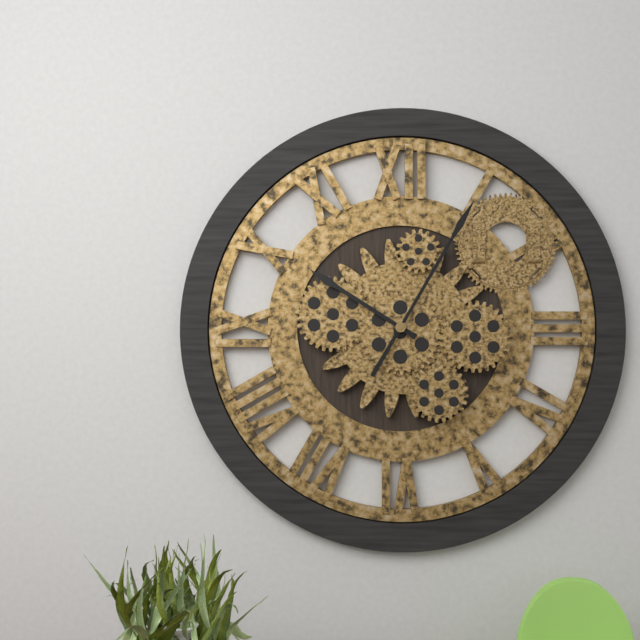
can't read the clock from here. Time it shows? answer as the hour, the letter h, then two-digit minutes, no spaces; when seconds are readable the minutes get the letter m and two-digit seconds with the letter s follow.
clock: 10h05
